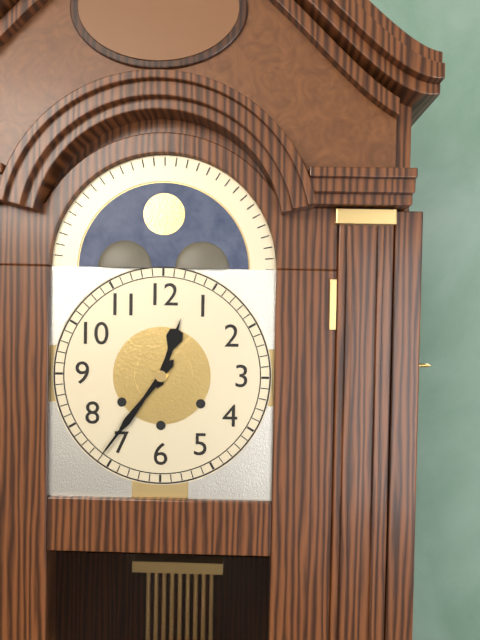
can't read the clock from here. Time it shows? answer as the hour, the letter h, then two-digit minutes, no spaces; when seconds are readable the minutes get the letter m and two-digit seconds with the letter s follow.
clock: 12h36
